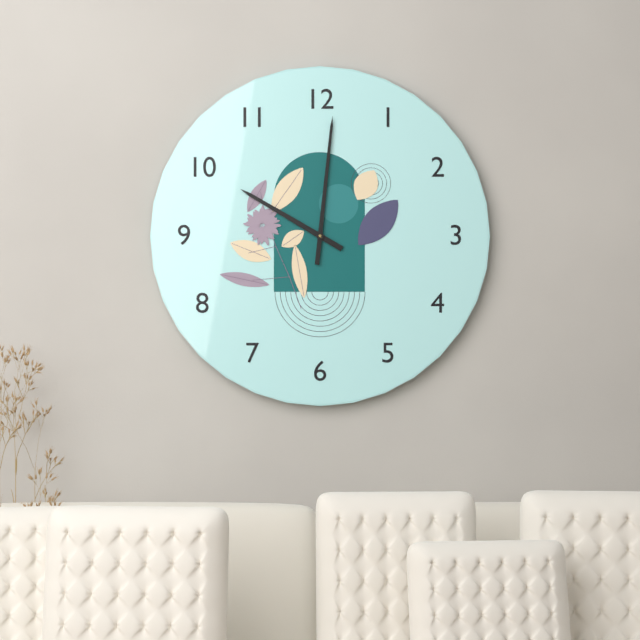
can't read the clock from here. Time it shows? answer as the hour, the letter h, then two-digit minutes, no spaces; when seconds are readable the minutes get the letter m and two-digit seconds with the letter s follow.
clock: 10h01
